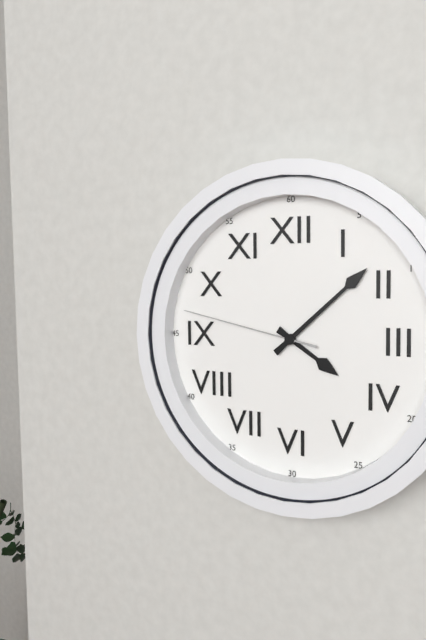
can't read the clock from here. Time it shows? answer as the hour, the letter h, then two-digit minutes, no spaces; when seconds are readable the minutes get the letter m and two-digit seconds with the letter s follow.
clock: 4h08m47s
